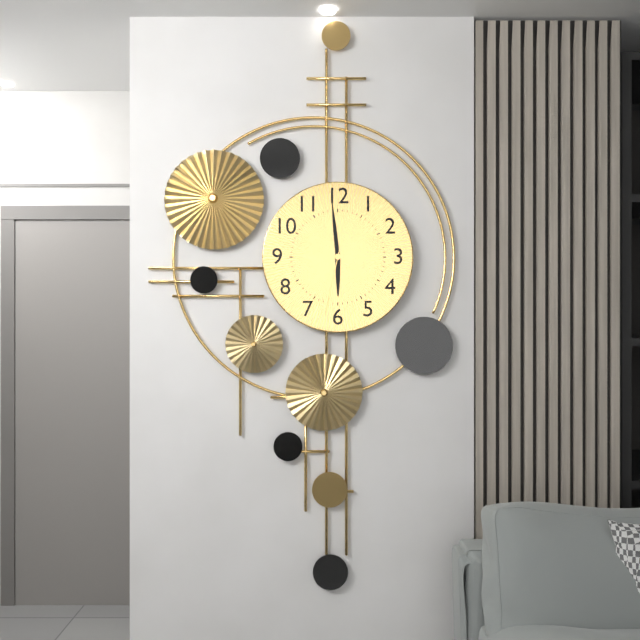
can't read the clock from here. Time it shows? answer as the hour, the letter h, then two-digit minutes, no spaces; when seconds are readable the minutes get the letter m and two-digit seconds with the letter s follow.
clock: 5h59m32s
